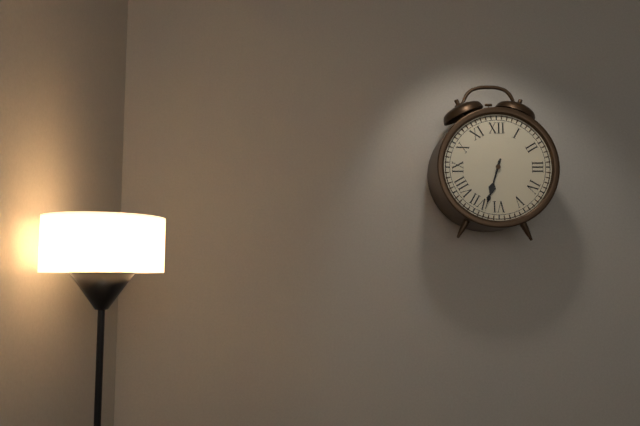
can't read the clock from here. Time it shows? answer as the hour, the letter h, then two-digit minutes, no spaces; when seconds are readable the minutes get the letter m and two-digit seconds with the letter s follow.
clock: 6h33
